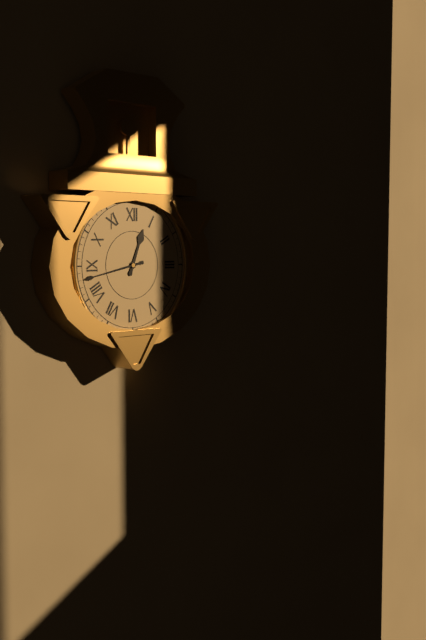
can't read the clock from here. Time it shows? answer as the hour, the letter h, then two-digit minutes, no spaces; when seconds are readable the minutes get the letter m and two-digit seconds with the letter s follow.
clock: 12h43
